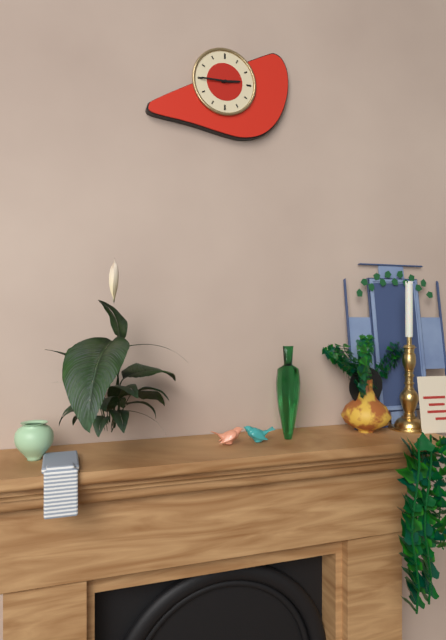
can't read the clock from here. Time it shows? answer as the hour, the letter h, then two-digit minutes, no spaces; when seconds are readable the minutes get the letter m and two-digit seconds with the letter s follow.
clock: 2h45
